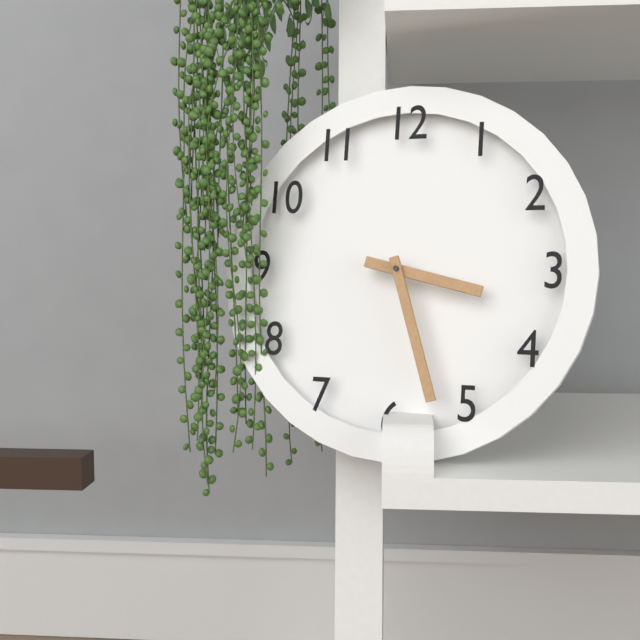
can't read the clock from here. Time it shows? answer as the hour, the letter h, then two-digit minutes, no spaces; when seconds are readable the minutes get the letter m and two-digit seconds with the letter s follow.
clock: 3h27
